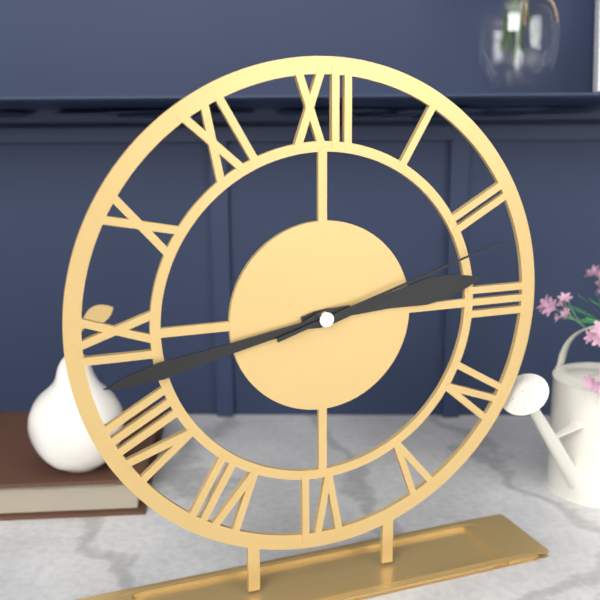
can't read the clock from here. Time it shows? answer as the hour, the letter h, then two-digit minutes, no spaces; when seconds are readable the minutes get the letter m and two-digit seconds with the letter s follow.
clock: 2h43m12s
